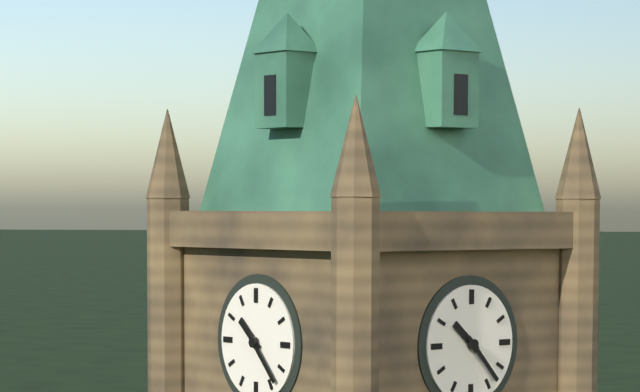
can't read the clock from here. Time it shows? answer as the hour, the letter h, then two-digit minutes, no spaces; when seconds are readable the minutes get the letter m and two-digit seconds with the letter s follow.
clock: 10h23
